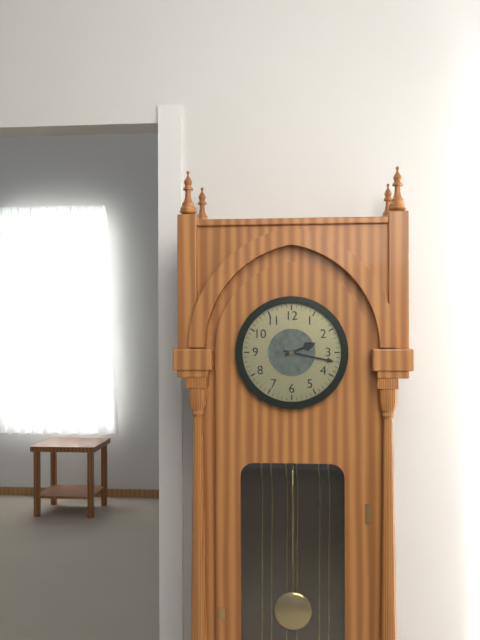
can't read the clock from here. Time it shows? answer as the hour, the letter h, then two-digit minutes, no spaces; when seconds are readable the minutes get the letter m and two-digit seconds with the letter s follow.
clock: 2h17
